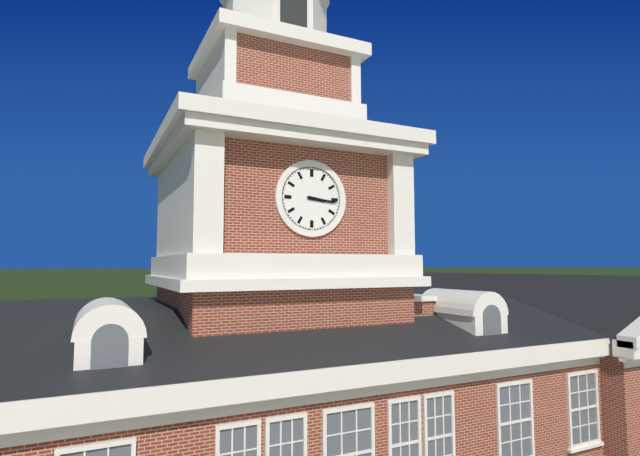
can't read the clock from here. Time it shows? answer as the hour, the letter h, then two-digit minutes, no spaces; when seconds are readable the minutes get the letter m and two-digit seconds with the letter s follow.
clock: 3h16
